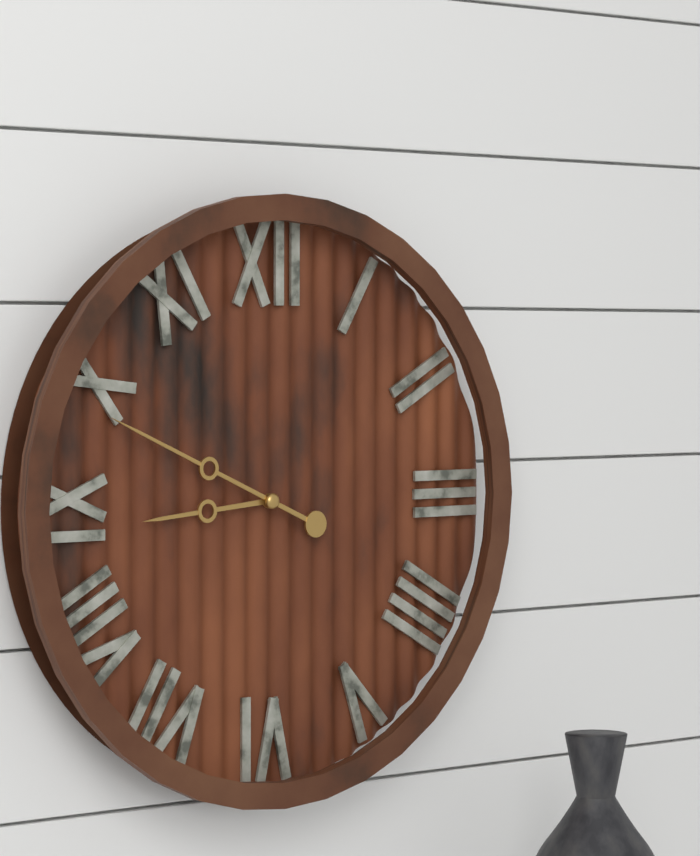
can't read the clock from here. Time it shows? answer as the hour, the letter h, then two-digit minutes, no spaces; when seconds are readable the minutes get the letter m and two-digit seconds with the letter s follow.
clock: 8h49
